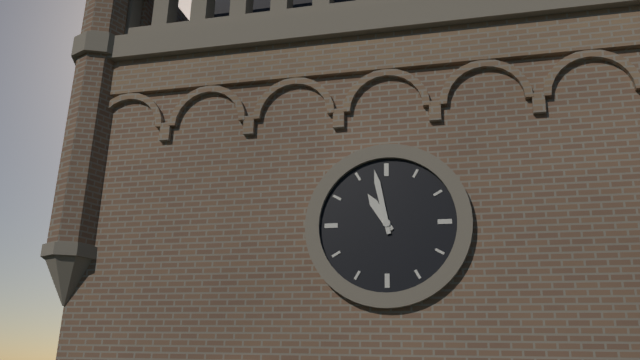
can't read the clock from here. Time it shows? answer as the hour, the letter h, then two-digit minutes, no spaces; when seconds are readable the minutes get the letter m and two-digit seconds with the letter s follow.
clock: 10h58
